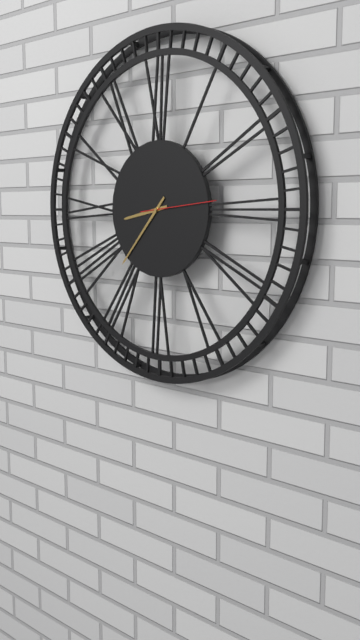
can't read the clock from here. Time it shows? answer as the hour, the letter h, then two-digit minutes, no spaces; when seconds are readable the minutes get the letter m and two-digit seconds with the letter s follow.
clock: 8h37m14s
